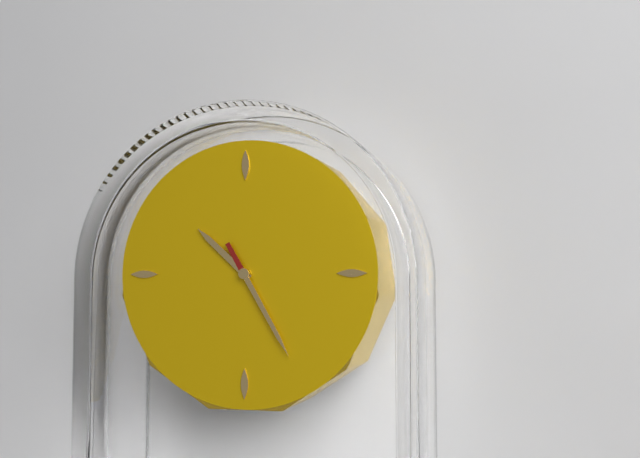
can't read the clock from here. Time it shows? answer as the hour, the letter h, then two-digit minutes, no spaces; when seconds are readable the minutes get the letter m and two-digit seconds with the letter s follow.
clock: 10h25
